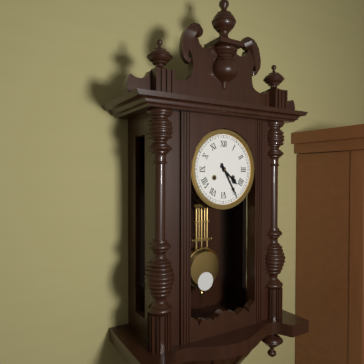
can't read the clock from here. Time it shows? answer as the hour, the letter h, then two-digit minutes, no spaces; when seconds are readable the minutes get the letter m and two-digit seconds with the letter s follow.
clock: 4h25
